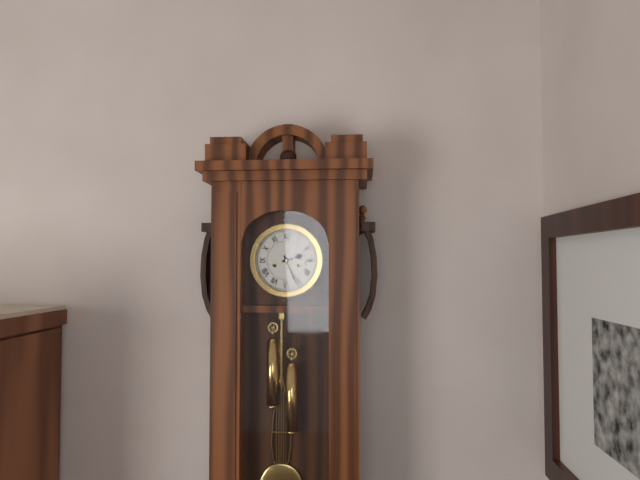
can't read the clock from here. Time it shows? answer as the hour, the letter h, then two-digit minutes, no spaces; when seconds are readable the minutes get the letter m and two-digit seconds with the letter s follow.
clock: 2h26
